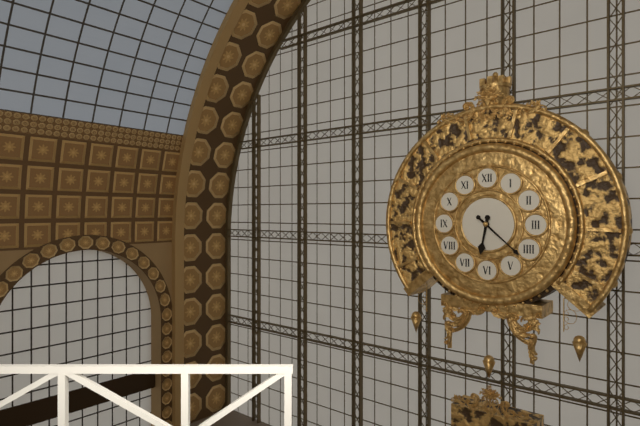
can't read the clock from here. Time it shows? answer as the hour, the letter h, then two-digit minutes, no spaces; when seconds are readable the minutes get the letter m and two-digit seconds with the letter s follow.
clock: 6h22
